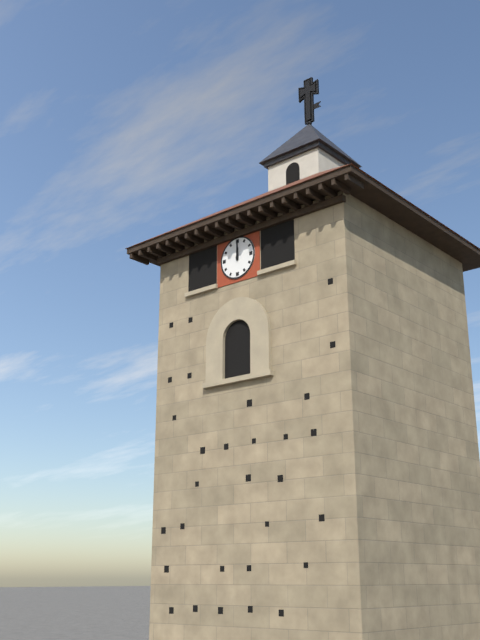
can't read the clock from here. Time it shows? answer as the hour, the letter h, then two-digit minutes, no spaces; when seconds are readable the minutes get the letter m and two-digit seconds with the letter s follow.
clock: 12h00
